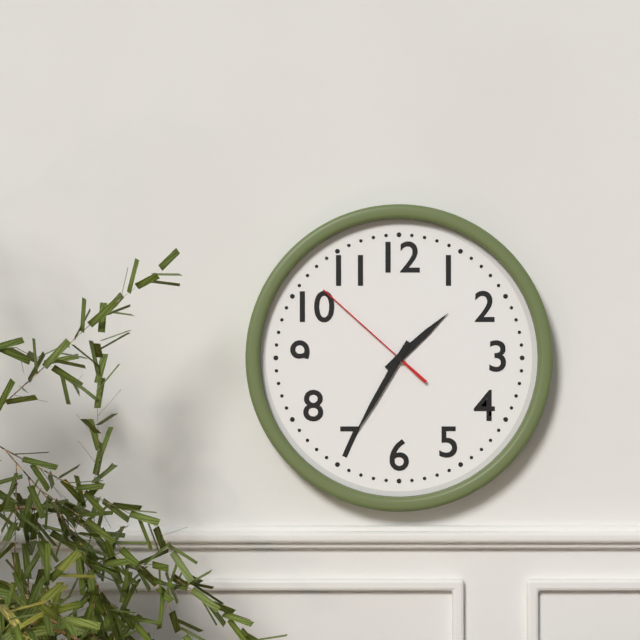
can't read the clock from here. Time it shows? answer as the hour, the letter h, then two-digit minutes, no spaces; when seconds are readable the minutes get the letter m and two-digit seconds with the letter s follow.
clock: 1h35m52s
